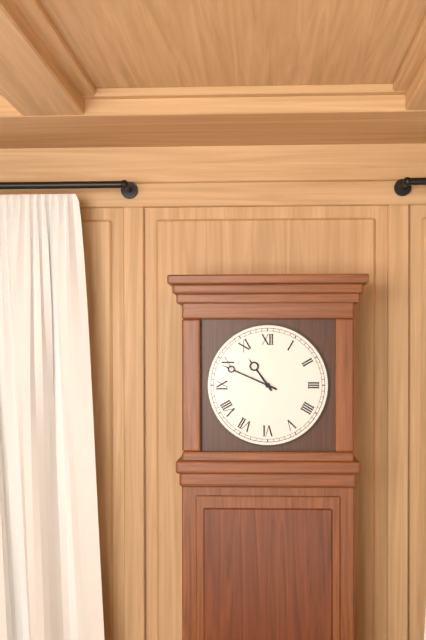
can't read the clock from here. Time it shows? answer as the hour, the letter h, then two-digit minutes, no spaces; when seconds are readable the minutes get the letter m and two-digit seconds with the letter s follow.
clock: 10h49
